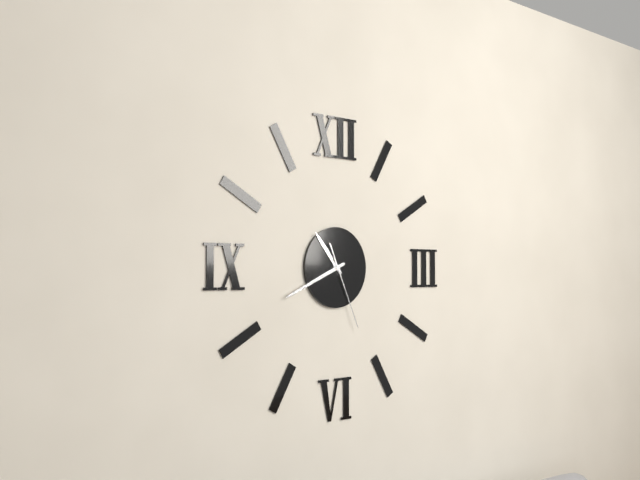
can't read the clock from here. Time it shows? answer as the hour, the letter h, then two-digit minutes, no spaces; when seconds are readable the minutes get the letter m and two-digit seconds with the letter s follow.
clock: 10h41m26s
